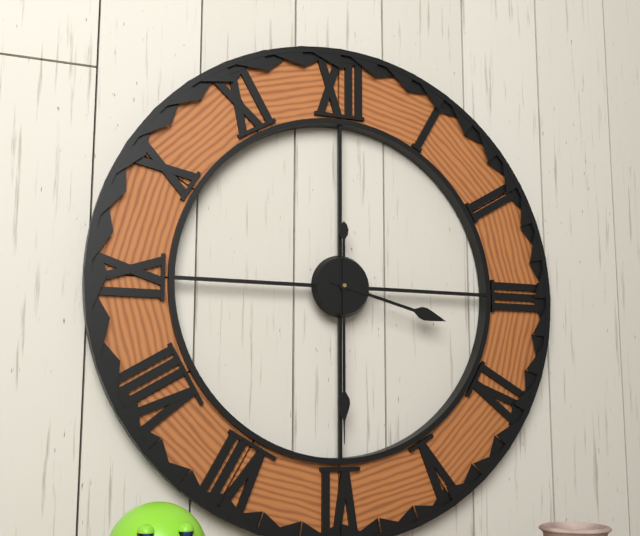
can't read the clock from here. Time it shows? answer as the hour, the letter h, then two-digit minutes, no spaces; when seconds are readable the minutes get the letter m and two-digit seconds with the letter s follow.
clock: 3h30
